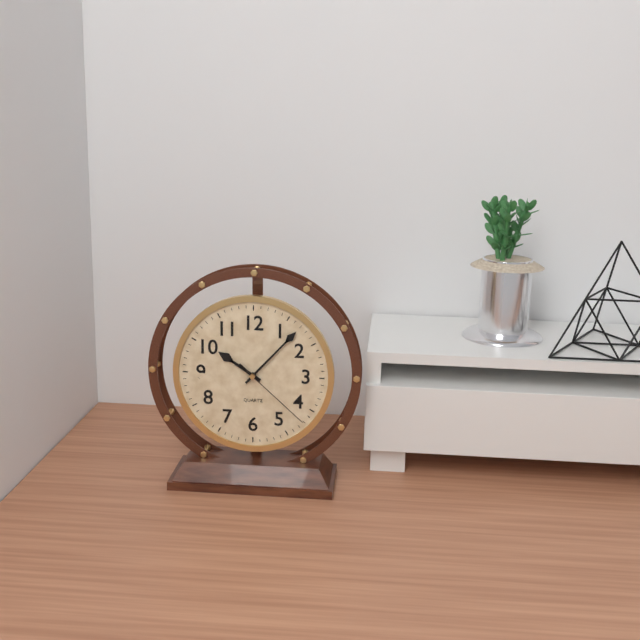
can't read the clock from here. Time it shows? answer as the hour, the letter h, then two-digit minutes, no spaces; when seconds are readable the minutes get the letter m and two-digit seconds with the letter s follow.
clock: 10h07m22s
